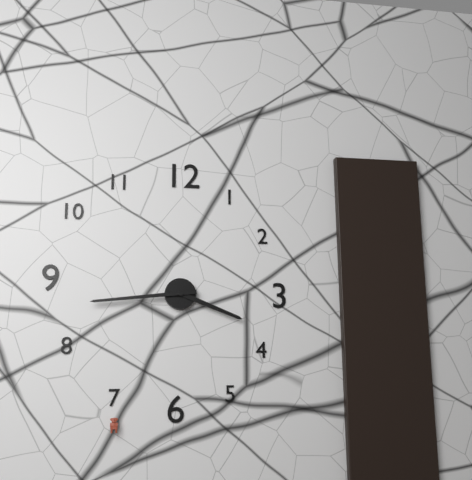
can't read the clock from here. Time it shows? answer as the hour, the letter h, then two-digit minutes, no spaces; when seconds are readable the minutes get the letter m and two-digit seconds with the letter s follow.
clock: 3h44
